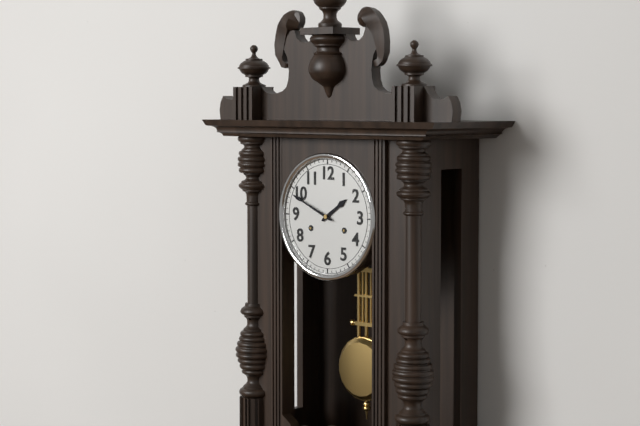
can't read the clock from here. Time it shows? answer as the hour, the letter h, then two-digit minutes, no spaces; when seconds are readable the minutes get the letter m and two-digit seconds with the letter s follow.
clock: 1h49
